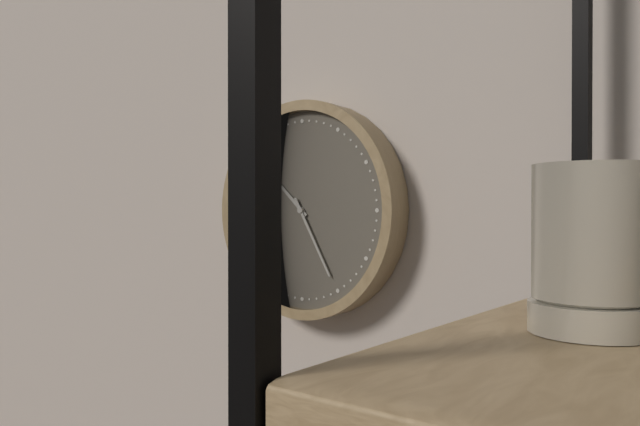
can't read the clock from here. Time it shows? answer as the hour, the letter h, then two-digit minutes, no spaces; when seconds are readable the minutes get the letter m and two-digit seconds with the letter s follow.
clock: 10h25
